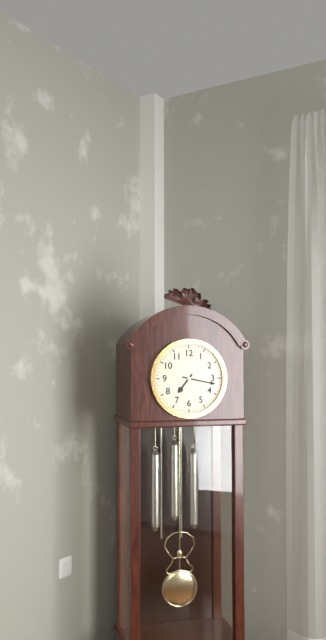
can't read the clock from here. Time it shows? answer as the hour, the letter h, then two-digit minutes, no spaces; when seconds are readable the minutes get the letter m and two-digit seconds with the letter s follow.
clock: 7h17
